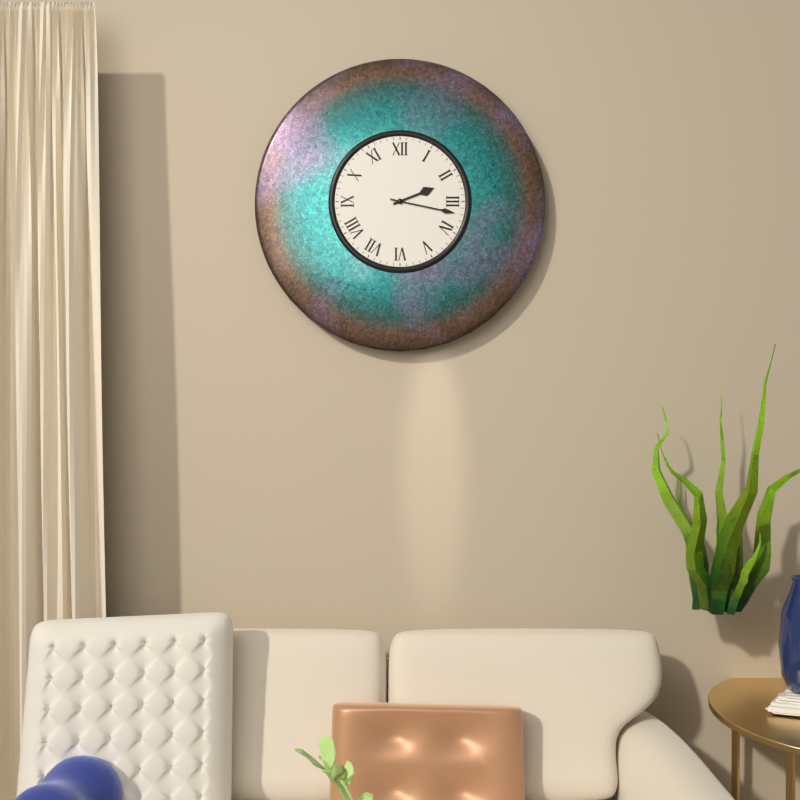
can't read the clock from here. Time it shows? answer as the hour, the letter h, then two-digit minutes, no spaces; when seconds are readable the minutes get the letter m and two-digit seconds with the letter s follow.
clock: 2h17
